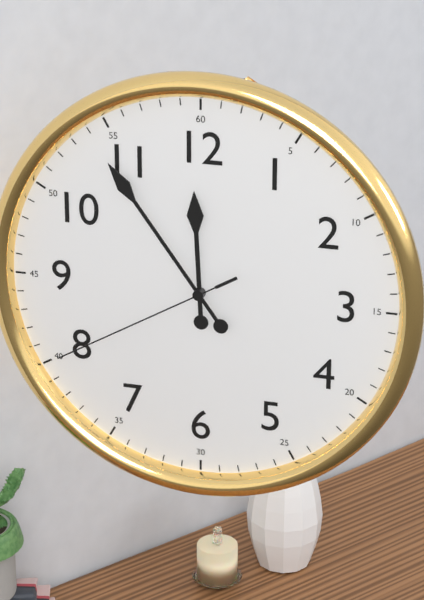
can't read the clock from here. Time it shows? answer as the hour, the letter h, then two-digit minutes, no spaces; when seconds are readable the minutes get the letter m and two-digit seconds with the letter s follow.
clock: 11h54m40s
